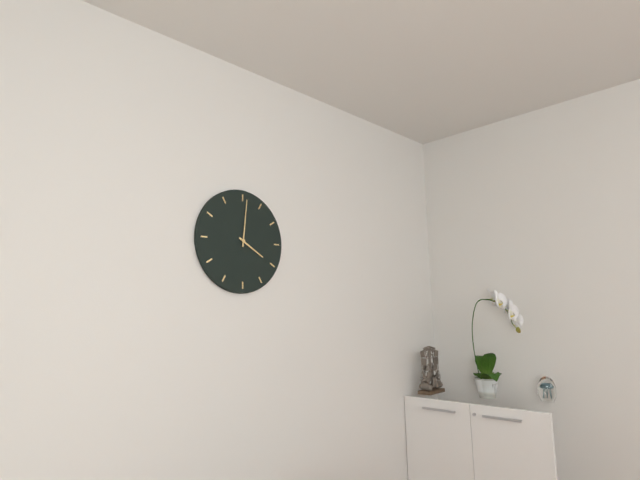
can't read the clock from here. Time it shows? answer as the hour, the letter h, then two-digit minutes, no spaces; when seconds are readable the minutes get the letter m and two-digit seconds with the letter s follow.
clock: 4h01
